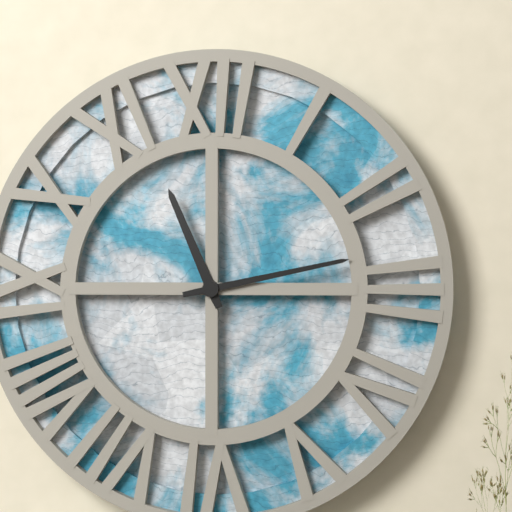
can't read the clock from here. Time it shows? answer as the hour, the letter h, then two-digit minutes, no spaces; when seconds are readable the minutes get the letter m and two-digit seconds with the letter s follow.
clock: 11h13
